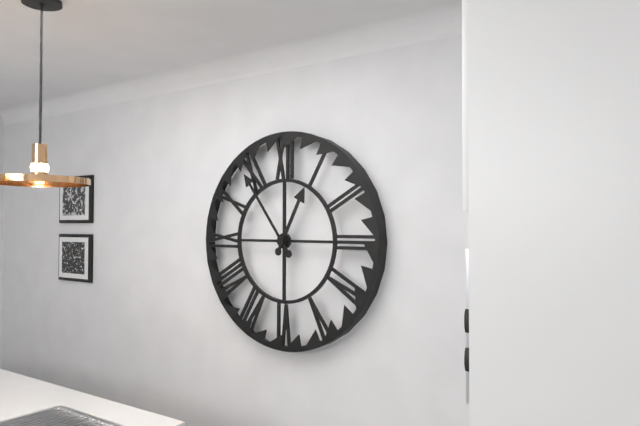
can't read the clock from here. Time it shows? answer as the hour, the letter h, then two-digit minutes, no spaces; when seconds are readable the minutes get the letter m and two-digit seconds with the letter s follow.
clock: 12h54
